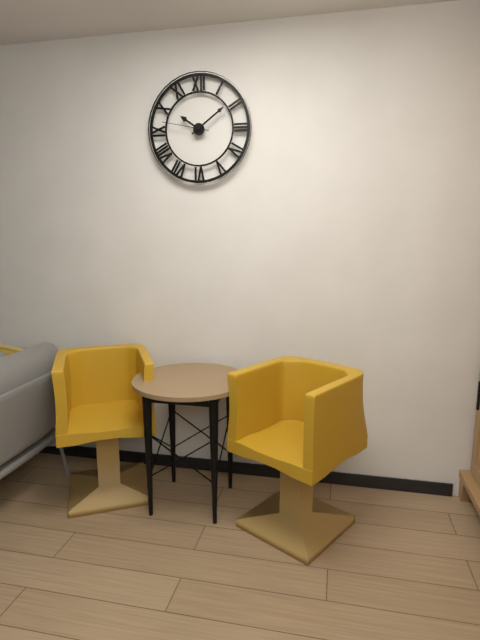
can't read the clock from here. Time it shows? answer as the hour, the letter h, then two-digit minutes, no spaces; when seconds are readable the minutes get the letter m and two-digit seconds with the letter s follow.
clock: 10h09
